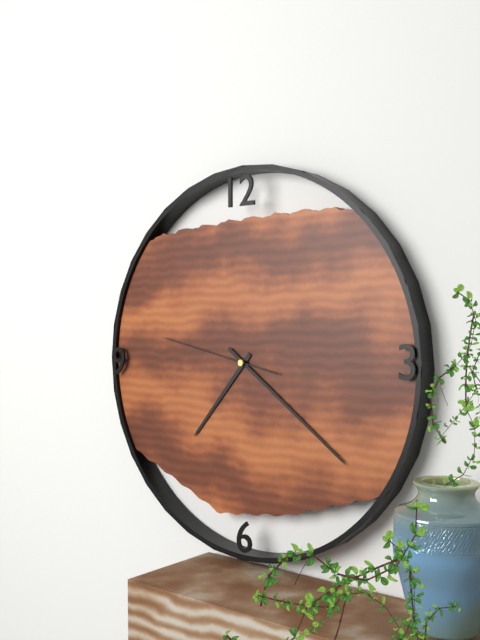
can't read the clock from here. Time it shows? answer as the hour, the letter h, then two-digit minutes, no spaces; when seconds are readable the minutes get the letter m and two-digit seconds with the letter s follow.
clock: 7h21m47s
